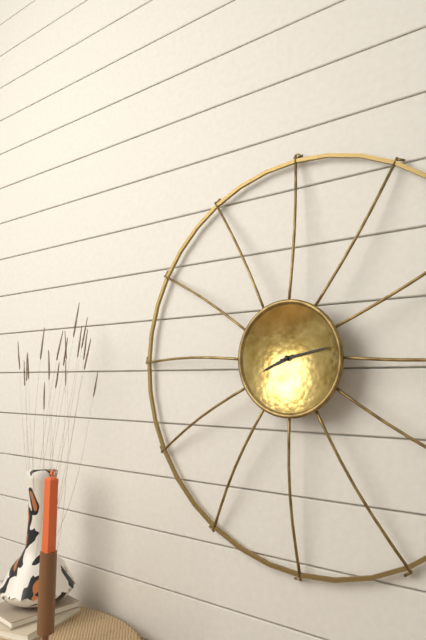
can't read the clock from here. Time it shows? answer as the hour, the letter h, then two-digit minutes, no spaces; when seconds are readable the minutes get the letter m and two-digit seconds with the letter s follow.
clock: 8h13
